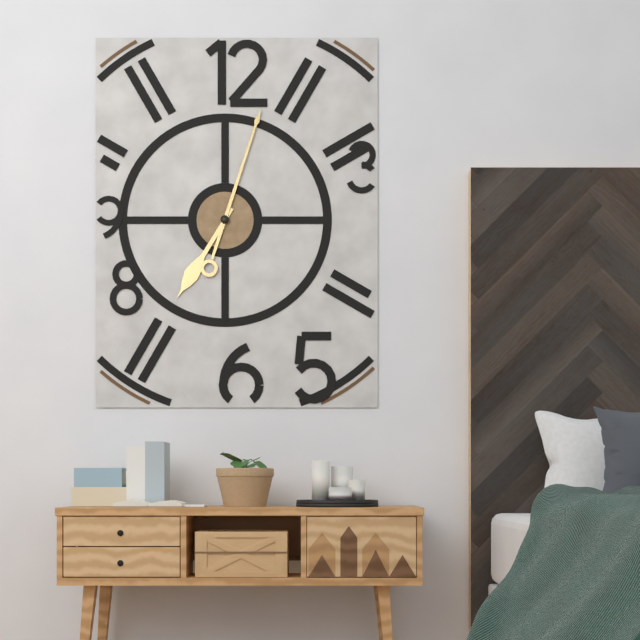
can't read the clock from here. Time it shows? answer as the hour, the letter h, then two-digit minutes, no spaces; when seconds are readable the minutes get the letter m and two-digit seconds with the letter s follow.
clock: 7h03
